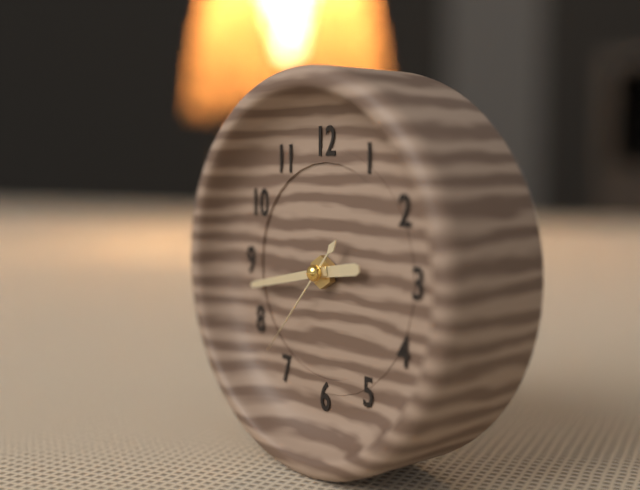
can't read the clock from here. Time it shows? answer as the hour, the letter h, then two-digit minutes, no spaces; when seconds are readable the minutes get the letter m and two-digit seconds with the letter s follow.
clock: 2h43m37s
